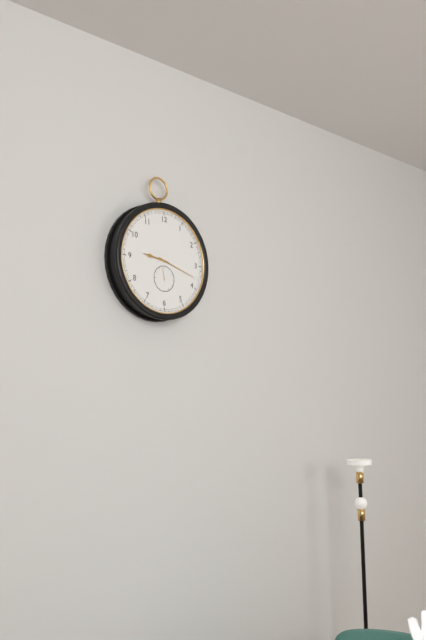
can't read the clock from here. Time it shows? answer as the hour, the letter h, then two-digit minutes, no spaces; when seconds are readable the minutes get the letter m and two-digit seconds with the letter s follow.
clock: 9h18
